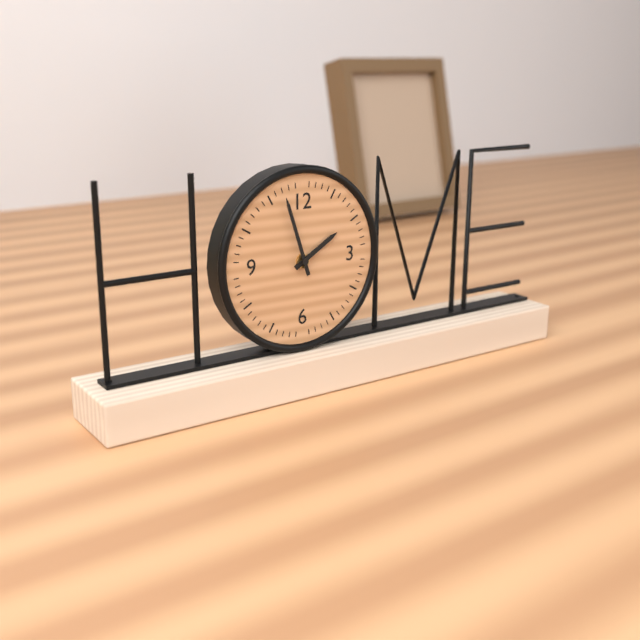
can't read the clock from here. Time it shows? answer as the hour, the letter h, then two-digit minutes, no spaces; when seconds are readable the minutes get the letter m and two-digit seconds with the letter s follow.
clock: 1h57
